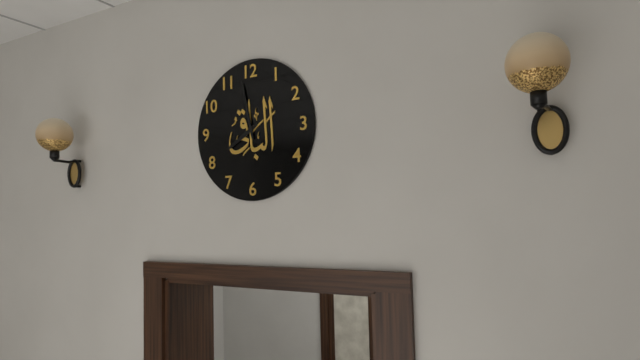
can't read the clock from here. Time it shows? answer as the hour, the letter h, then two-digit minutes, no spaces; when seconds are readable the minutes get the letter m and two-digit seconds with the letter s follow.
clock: 7h58
